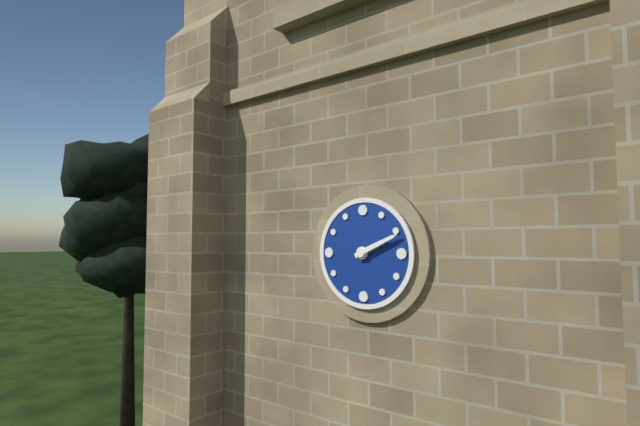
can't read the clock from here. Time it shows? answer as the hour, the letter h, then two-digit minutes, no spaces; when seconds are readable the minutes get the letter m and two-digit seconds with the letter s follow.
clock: 2h11
